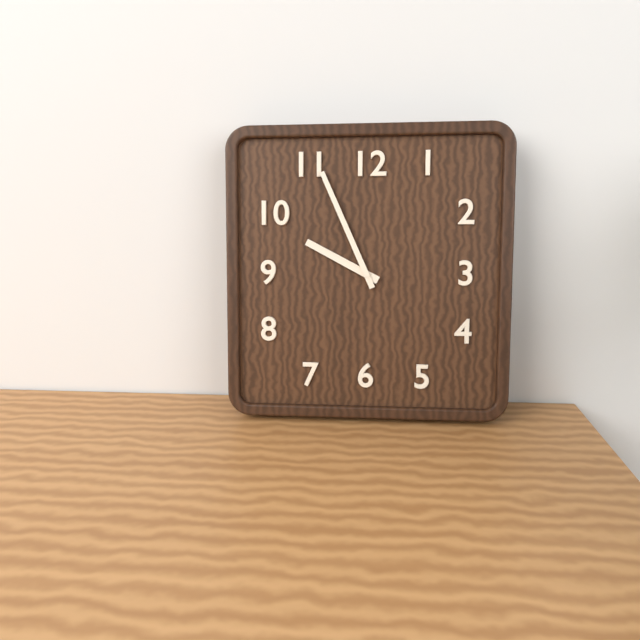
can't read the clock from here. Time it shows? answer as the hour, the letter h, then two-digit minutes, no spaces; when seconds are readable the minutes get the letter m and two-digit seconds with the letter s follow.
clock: 9h56
